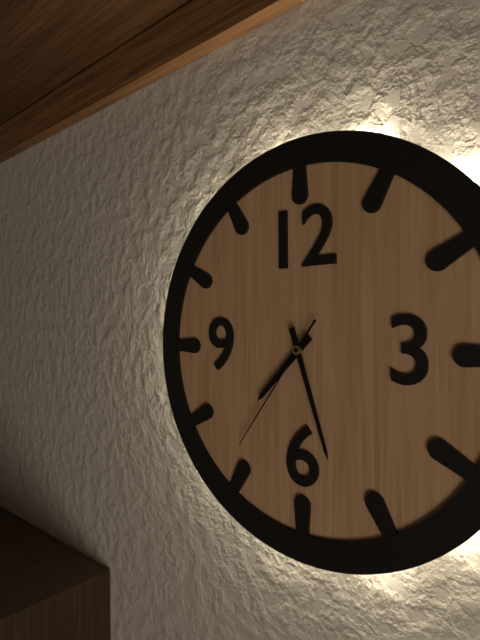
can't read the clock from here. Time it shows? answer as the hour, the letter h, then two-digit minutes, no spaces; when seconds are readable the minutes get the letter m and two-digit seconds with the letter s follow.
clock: 7h27m36s
